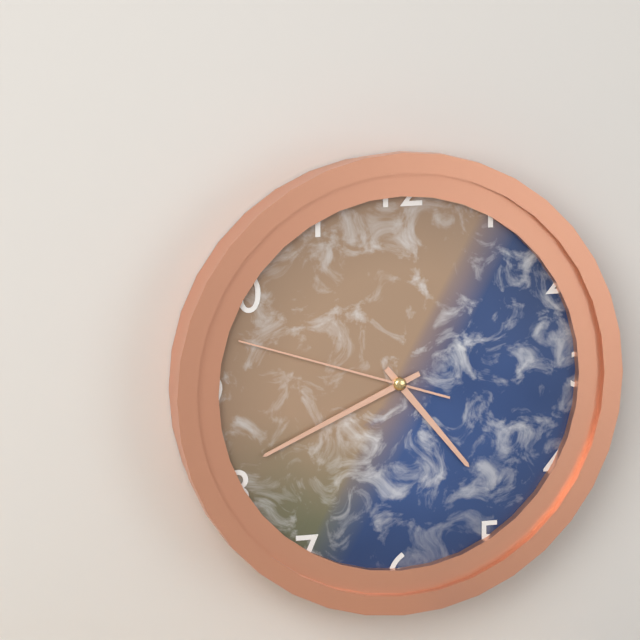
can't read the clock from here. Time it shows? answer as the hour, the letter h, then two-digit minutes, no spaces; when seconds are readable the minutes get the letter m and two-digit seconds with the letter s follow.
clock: 4h41m48s
